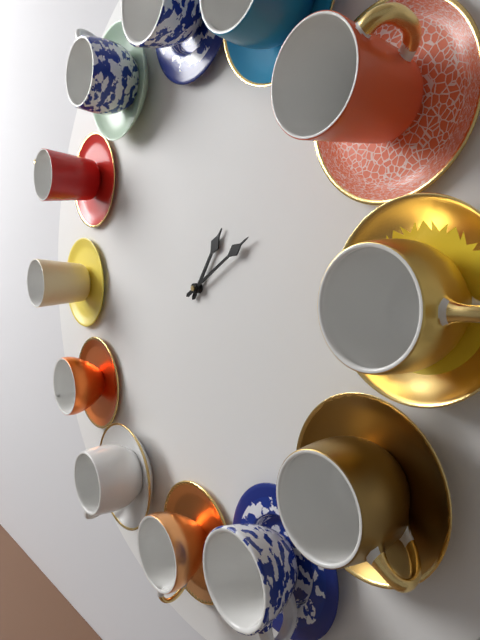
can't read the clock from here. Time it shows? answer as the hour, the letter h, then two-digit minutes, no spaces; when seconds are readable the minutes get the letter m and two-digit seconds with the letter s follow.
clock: 1h10
